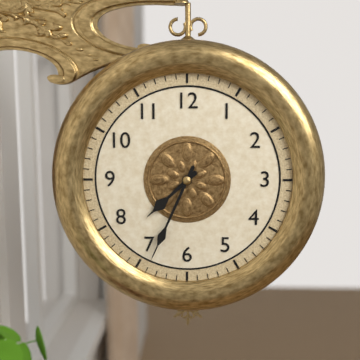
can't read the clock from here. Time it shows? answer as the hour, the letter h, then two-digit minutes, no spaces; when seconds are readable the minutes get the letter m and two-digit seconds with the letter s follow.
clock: 7h34
